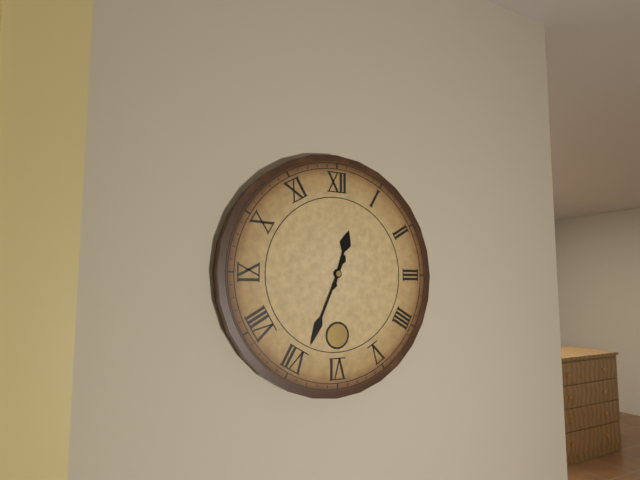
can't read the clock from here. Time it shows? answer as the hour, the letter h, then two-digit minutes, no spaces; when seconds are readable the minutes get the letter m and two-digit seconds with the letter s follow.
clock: 12h34
